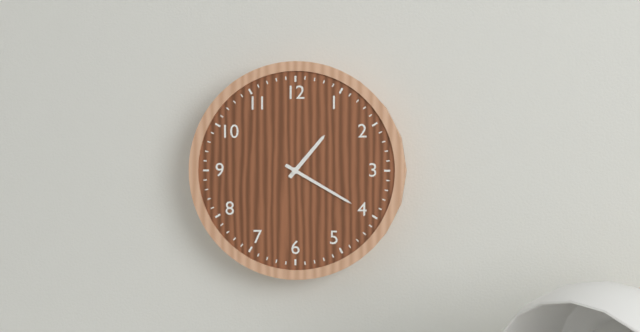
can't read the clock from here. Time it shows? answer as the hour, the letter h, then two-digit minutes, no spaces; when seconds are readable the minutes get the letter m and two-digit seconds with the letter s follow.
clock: 1h20
